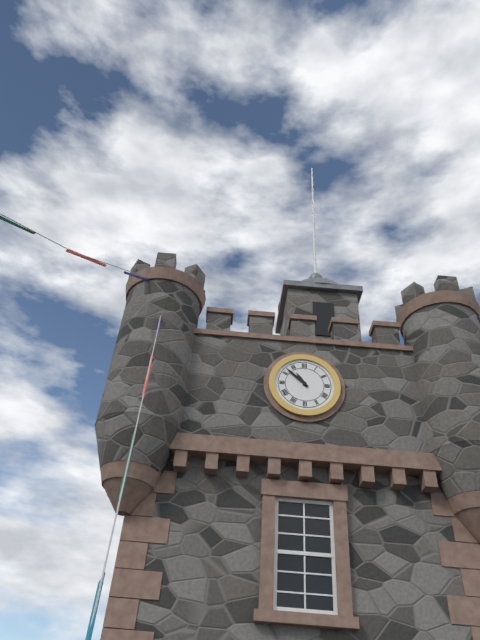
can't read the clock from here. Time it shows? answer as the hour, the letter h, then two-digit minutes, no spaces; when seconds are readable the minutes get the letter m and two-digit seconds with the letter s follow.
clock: 10h52
